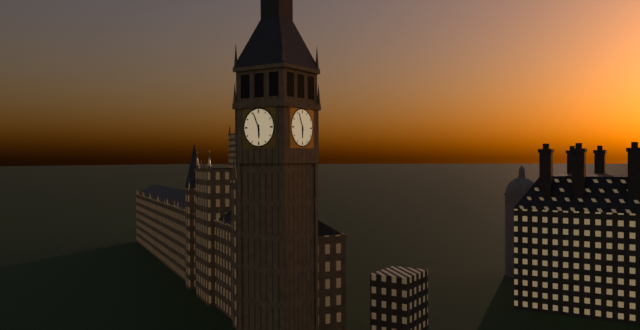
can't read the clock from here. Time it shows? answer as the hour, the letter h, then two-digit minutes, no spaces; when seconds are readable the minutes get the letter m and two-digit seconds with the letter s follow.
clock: 5h56
